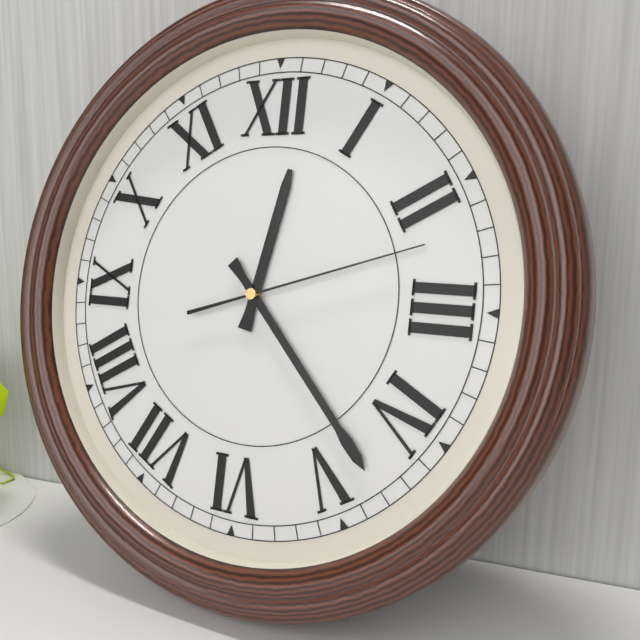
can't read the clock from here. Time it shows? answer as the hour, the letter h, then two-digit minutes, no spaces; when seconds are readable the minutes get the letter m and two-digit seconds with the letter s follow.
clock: 12h23m12s
